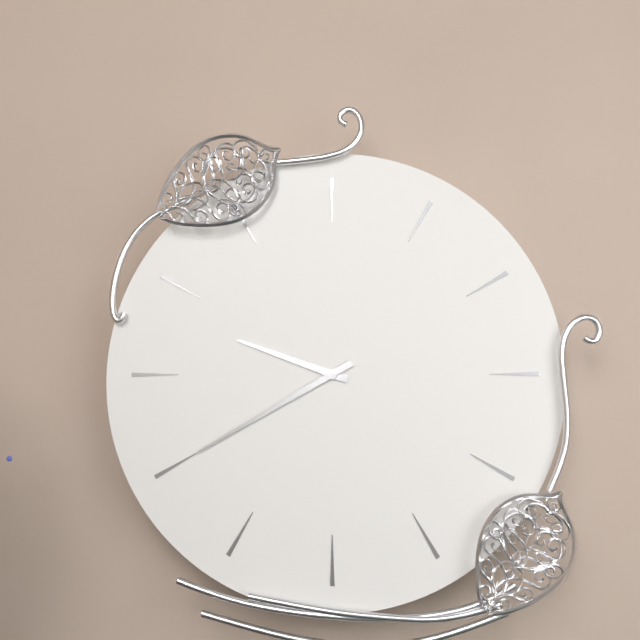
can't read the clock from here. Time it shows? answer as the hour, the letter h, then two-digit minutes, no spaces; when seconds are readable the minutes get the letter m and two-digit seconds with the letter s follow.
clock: 9h40
